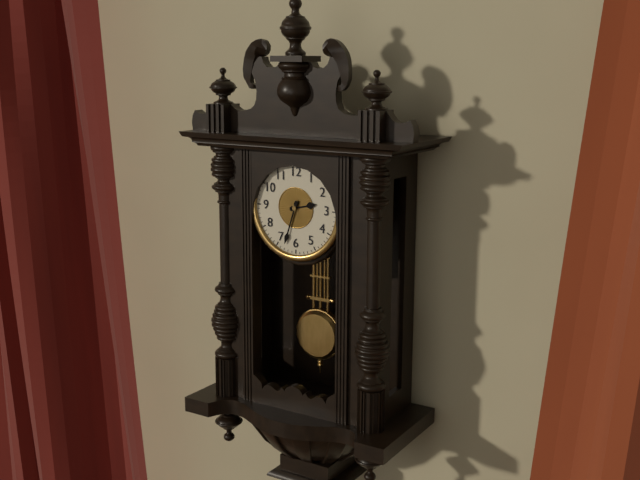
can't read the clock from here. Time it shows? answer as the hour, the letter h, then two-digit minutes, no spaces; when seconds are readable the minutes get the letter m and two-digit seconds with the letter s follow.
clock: 2h33
